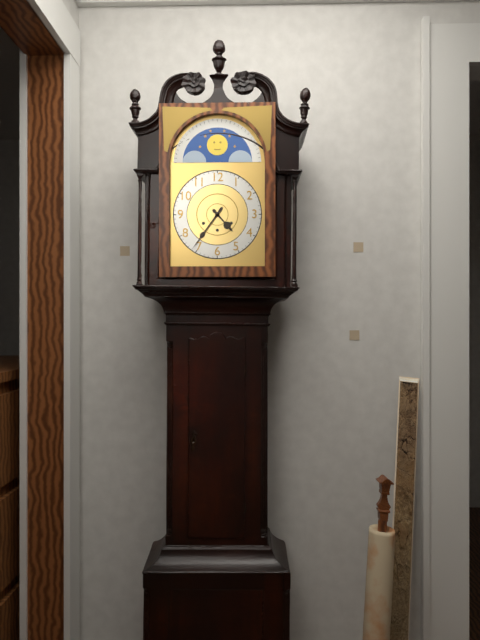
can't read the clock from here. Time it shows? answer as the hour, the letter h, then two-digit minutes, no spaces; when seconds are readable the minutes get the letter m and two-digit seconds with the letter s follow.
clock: 4h36
